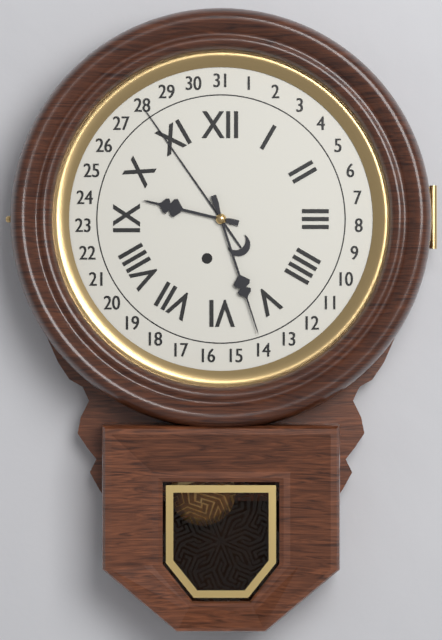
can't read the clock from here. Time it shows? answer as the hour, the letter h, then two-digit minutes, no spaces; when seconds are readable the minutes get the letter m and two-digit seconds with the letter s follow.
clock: 9h27
